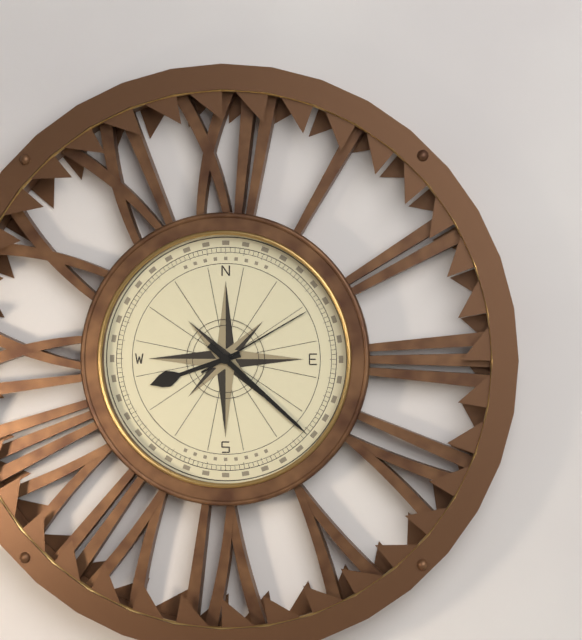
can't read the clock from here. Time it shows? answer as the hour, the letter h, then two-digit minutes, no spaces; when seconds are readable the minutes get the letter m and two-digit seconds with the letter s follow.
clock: 8h22m10s
